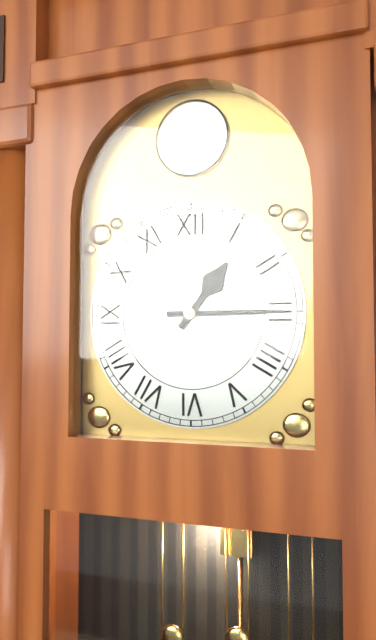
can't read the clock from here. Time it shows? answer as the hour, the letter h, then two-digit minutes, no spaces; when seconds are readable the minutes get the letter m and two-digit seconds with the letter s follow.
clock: 1h15
